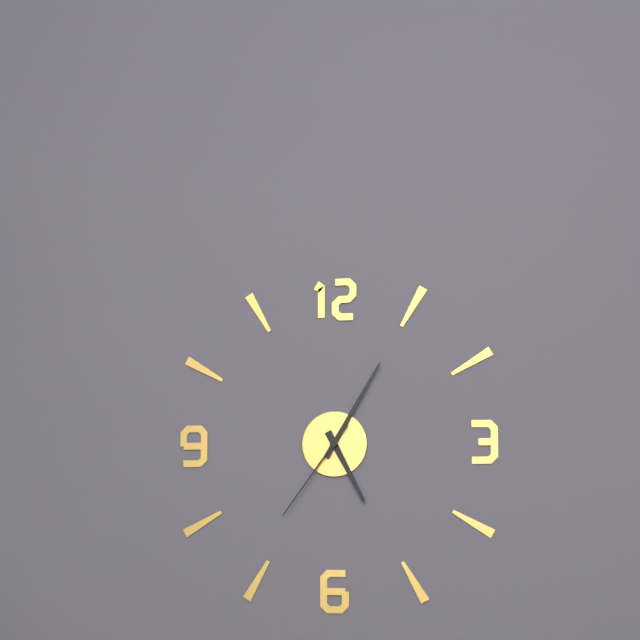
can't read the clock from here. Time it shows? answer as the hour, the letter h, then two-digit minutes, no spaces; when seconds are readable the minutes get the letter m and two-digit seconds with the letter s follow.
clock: 5h05m36s
